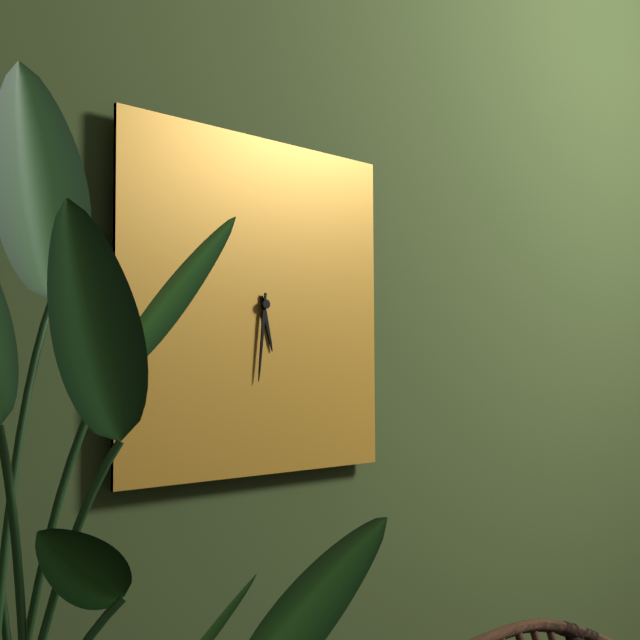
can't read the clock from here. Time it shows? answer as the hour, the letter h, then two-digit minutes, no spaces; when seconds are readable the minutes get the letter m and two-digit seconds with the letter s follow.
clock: 5h31
